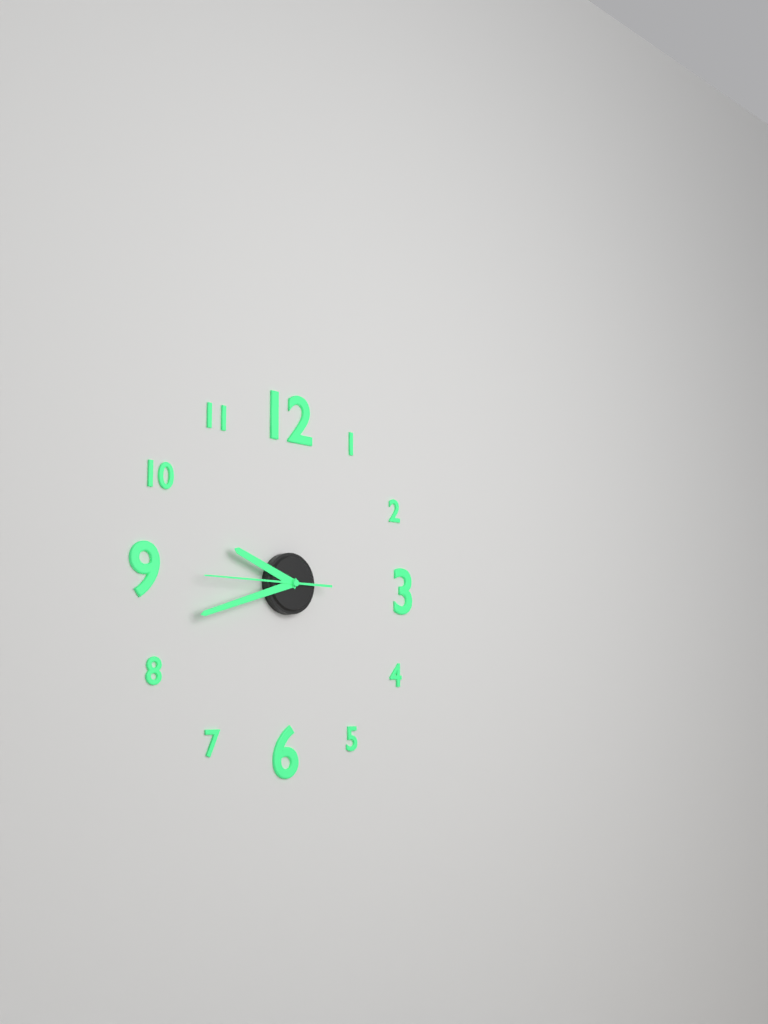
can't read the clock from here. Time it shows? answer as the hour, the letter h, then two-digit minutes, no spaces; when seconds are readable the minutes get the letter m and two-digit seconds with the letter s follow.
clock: 9h42m45s
